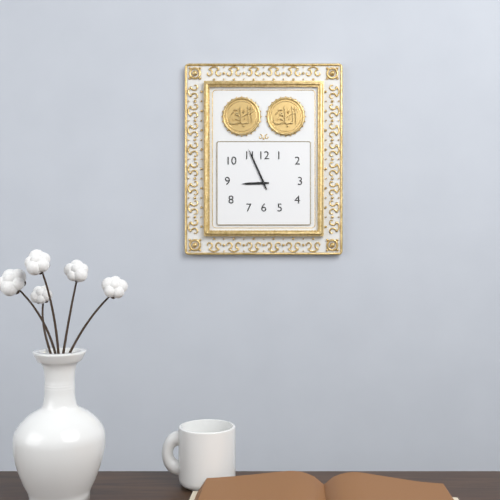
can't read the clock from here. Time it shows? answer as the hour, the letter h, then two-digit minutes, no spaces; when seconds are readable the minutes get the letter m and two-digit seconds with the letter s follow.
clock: 8h56
